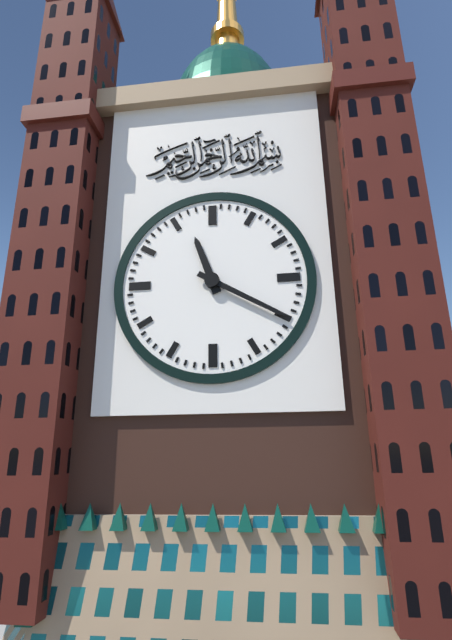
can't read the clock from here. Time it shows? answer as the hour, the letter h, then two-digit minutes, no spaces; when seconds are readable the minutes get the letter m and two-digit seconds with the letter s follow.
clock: 11h20
